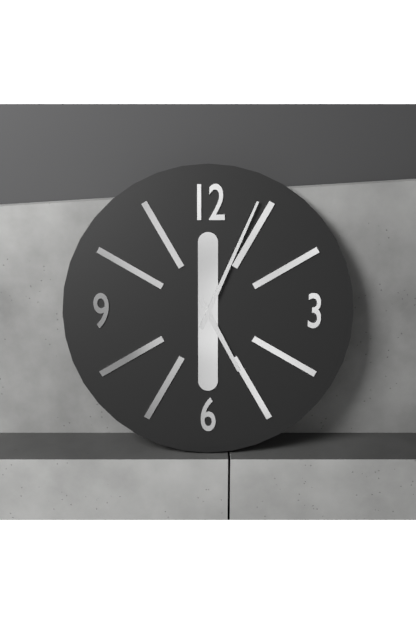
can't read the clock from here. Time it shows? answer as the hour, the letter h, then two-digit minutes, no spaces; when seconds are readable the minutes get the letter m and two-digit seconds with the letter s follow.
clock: 5h04
